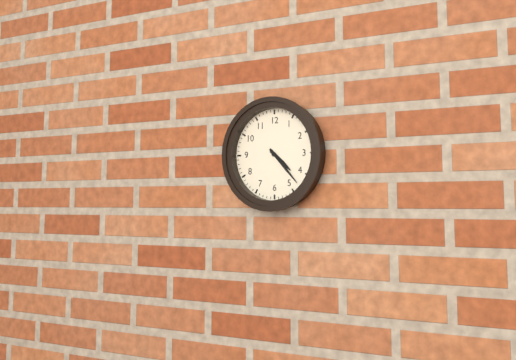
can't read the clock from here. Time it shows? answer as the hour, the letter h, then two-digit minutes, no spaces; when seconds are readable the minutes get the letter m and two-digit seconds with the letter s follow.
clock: 4h23
